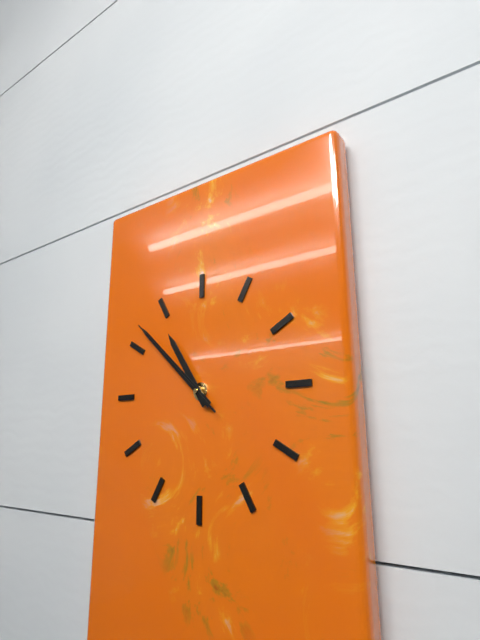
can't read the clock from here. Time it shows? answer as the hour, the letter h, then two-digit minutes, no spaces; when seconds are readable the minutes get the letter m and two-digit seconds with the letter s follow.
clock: 10h52m52s
